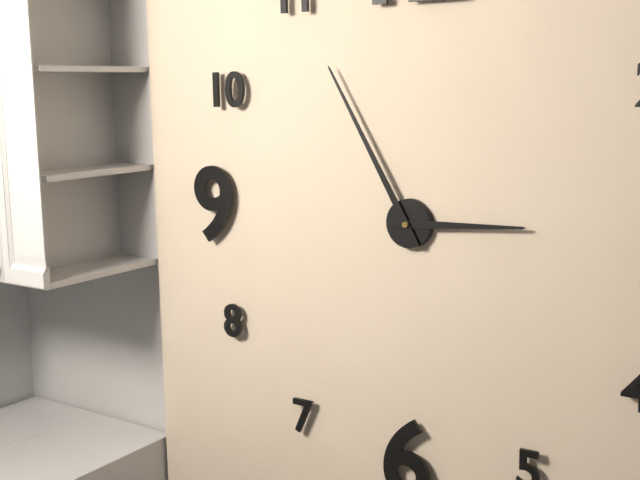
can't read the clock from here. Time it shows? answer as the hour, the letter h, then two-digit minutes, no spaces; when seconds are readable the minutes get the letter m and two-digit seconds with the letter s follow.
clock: 2h55
